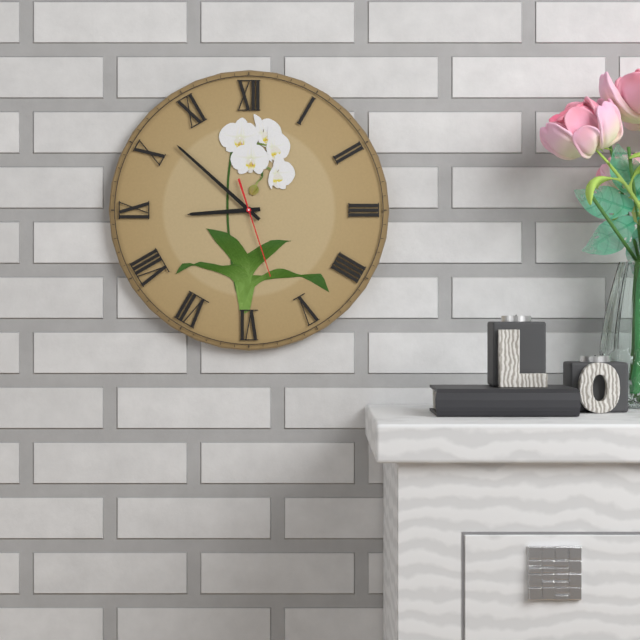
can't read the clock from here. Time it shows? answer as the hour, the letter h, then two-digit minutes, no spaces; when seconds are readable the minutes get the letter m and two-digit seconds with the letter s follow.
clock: 8h52m27s
